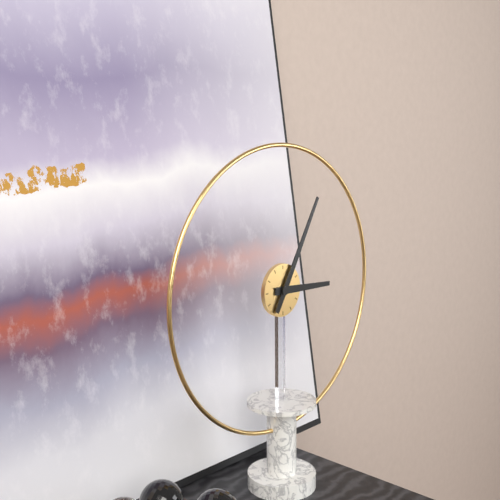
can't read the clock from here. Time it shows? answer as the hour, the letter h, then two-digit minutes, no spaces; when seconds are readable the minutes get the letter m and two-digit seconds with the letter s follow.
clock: 3h05
